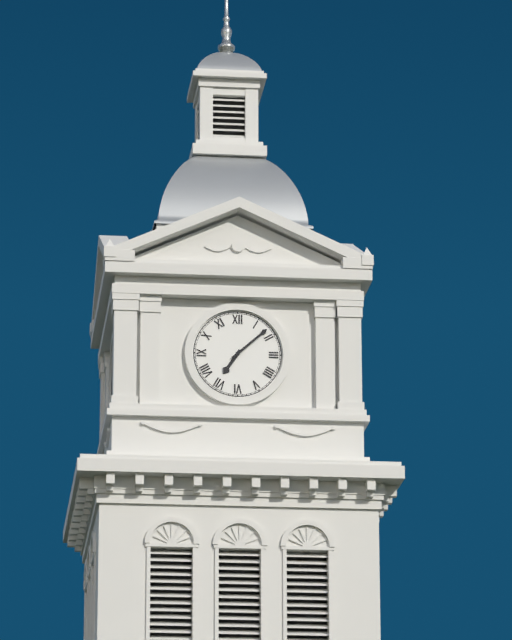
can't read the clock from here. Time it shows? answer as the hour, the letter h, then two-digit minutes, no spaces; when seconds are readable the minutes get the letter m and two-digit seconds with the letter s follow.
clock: 7h08
